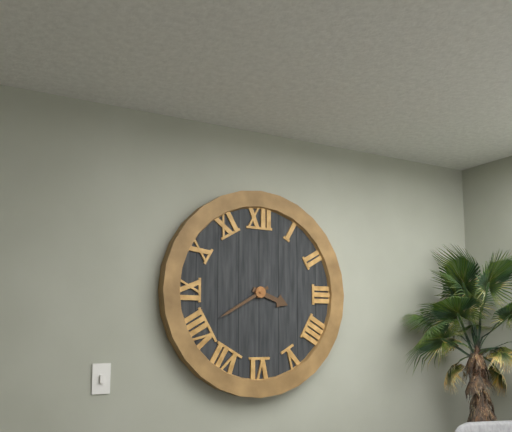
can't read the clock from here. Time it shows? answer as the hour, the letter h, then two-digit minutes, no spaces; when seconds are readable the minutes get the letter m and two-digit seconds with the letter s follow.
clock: 3h40
